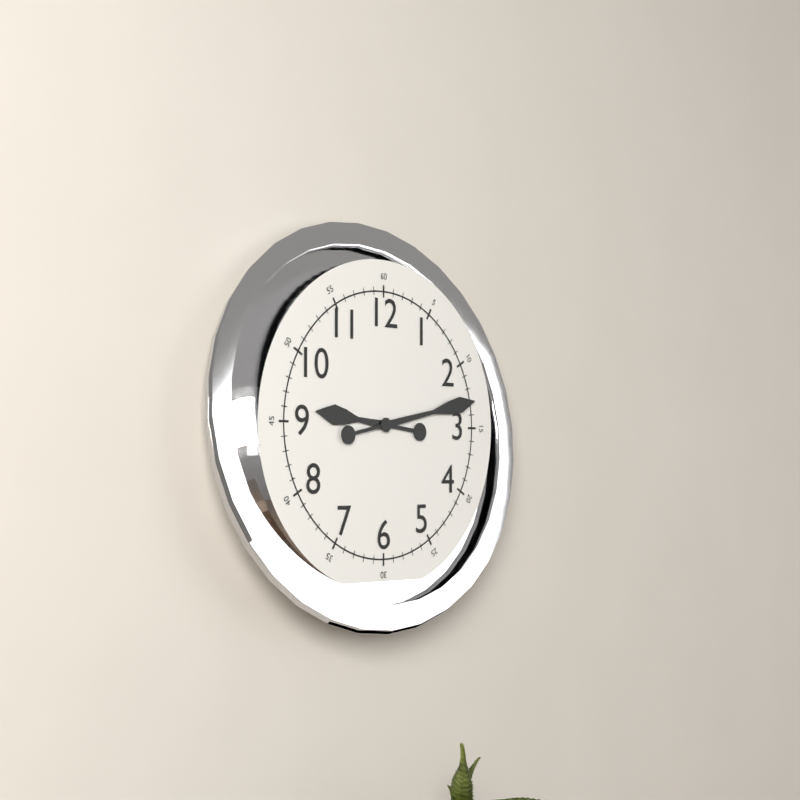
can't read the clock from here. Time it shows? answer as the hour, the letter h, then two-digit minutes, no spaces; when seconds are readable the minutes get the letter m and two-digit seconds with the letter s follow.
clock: 9h13
